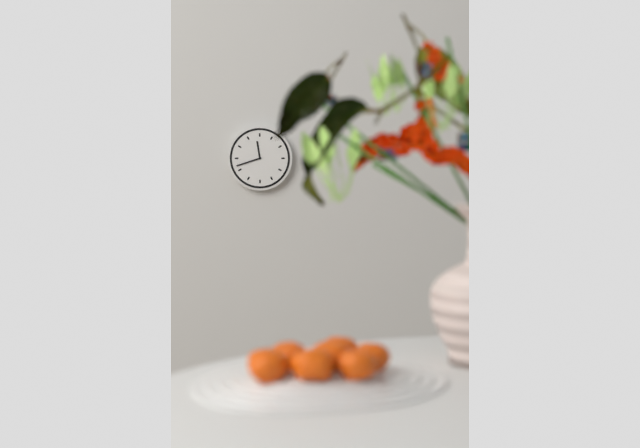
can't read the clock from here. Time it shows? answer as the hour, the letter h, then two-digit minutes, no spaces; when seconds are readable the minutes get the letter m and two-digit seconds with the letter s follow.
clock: 11h42
